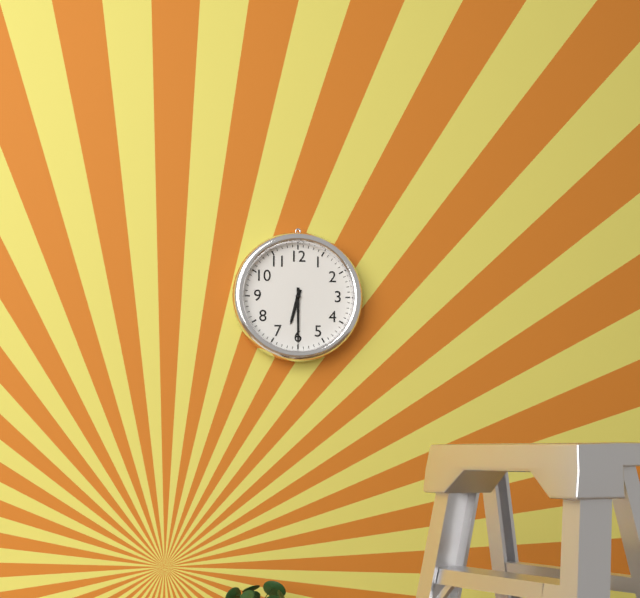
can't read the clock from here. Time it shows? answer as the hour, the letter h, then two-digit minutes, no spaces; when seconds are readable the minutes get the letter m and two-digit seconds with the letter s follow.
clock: 6h30
